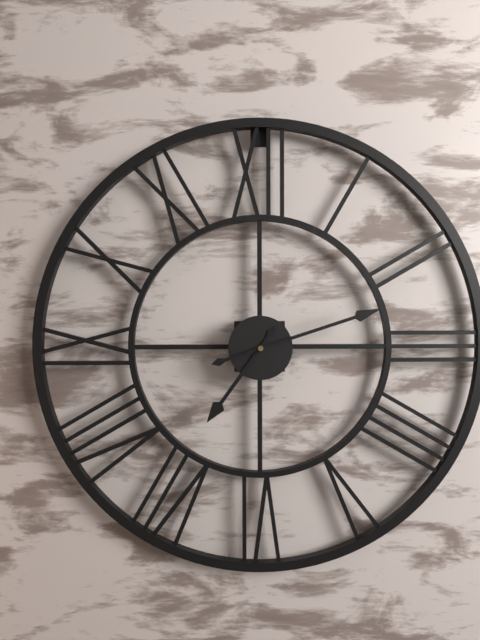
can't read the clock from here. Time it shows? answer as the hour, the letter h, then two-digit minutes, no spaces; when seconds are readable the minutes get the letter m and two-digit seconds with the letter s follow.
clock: 7h12
